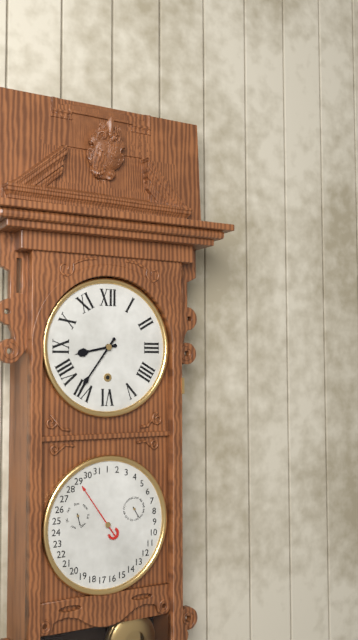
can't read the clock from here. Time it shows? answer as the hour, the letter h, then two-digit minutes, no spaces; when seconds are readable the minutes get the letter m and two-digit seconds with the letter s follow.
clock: 8h36
